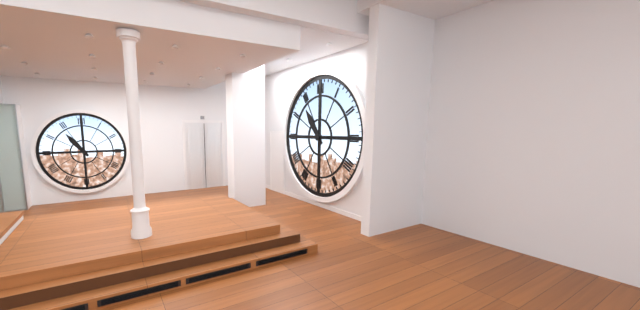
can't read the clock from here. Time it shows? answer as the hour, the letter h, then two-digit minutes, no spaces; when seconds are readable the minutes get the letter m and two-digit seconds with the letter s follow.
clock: 10h45
